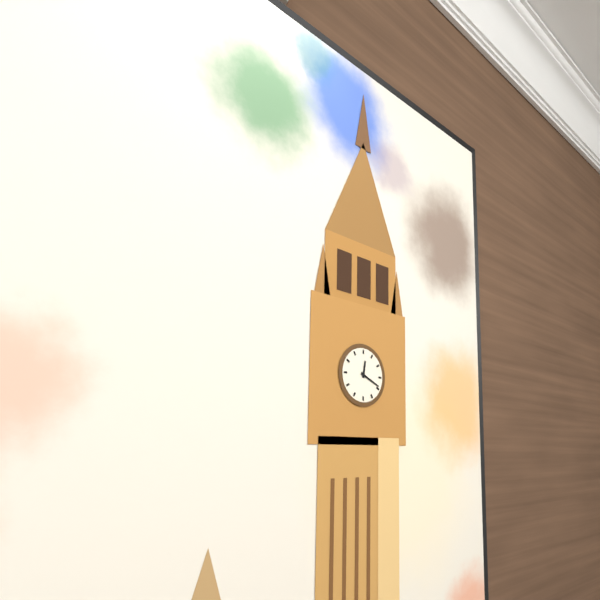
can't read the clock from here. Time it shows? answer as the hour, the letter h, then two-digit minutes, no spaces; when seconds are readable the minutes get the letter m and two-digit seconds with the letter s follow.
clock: 12h19
